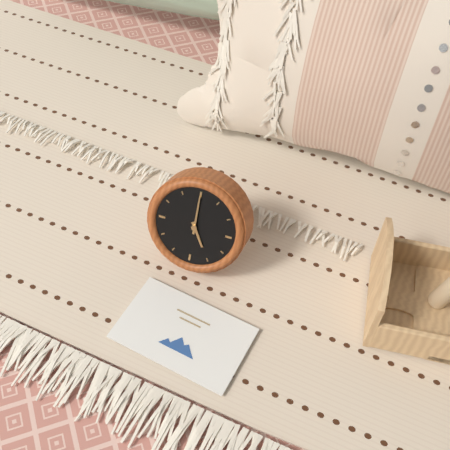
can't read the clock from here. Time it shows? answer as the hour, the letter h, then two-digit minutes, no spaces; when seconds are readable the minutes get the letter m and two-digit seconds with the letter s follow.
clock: 5h00
